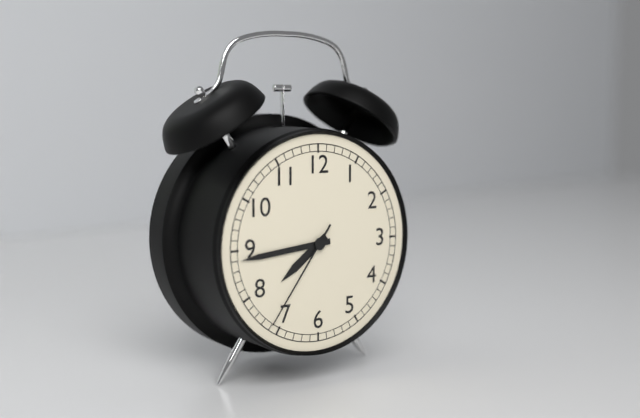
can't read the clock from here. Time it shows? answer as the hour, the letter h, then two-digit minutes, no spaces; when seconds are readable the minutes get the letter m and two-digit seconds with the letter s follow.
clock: 7h44m36s
